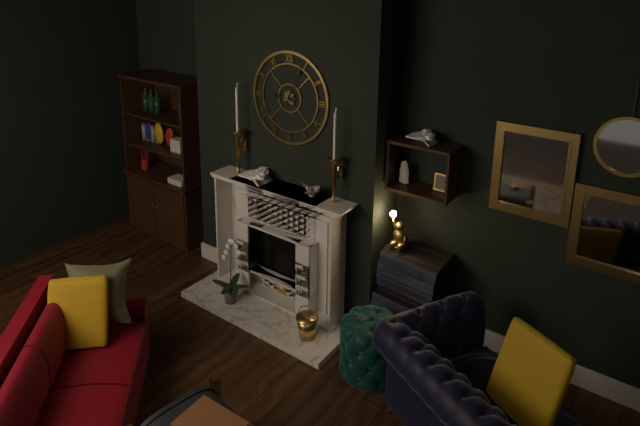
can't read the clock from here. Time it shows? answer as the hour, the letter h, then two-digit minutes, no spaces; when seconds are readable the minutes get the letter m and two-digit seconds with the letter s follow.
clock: 9h04
